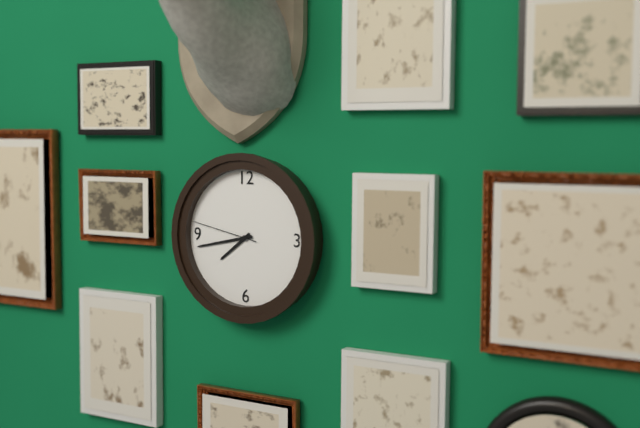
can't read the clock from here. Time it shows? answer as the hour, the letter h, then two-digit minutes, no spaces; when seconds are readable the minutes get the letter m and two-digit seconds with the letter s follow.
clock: 7h43m47s
